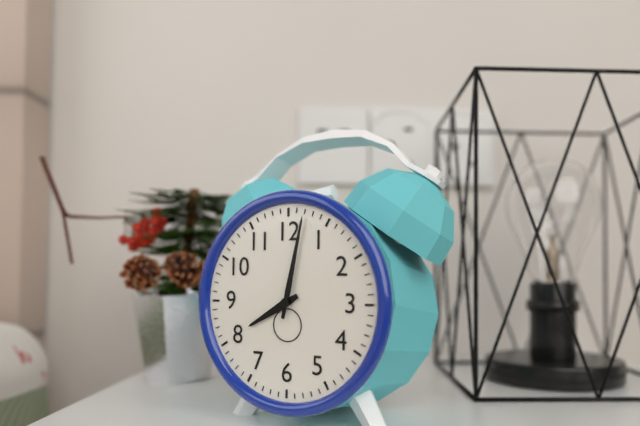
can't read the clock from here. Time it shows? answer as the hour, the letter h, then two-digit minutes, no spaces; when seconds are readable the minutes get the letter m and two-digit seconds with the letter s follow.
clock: 8h02
